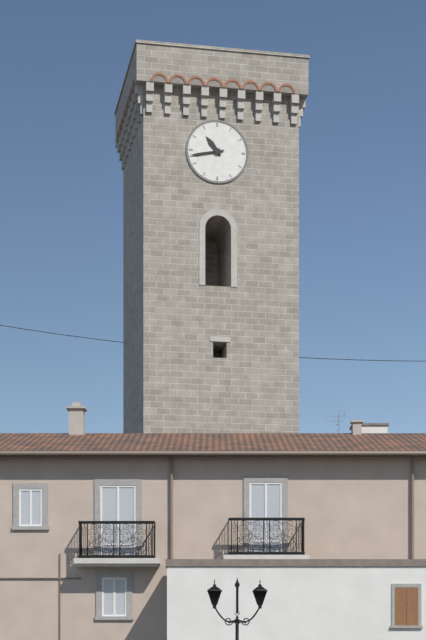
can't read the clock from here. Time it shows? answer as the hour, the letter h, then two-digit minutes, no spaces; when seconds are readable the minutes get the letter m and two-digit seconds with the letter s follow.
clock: 10h43
